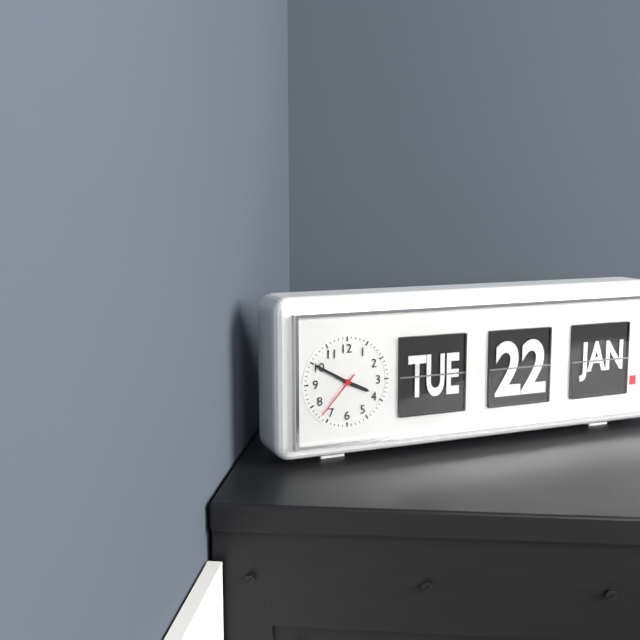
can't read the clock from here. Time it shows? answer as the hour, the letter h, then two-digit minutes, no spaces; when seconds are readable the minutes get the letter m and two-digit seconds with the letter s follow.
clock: 3h50m37s
